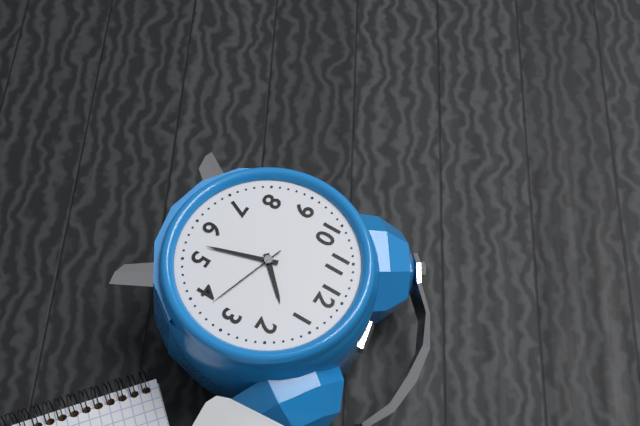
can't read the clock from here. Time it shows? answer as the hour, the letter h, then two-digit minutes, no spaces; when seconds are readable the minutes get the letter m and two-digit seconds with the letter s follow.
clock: 1h27m18s
